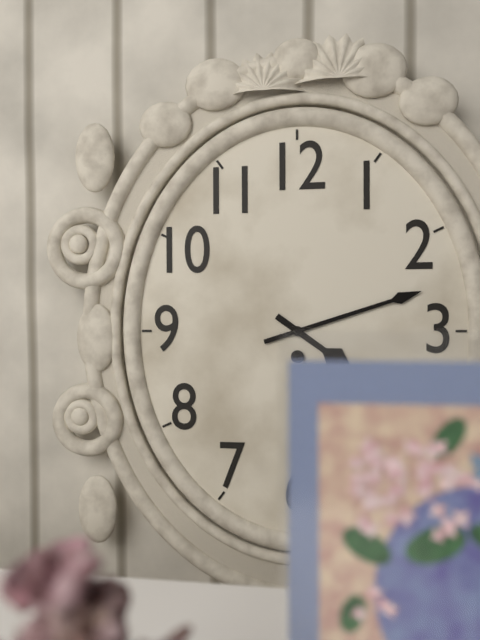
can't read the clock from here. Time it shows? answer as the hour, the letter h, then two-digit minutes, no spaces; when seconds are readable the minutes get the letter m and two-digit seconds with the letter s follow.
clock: 4h12
